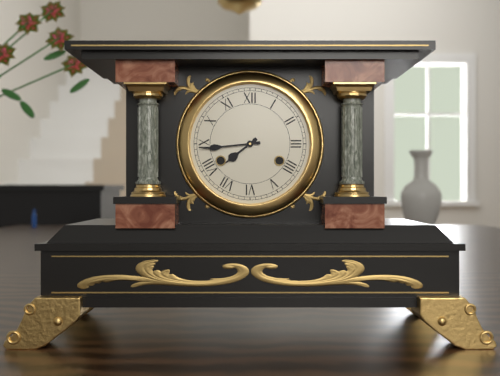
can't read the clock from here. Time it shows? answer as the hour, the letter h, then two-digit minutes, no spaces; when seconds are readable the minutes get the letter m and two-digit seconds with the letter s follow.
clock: 7h44
